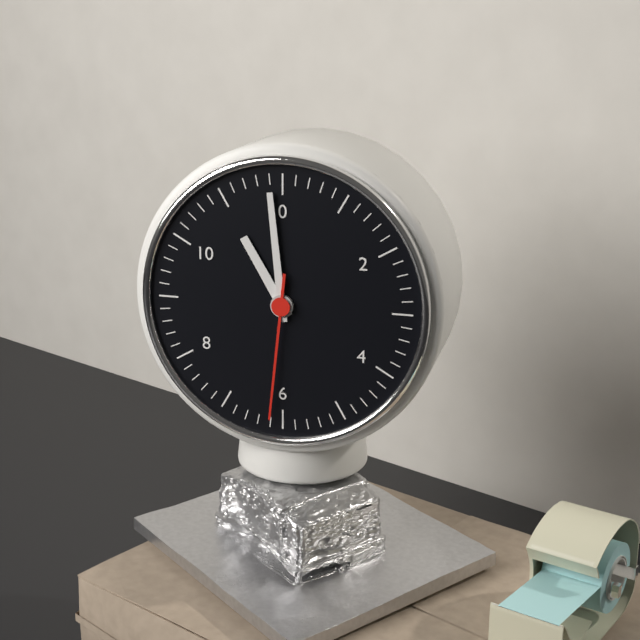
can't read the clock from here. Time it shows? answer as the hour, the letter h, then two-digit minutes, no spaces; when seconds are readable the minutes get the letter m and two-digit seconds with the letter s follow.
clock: 10h59m31s
